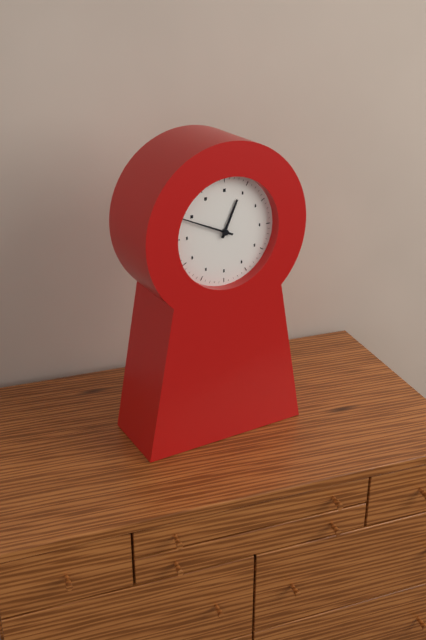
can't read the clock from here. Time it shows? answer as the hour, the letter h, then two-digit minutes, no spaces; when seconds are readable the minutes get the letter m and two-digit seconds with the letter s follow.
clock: 12h49
